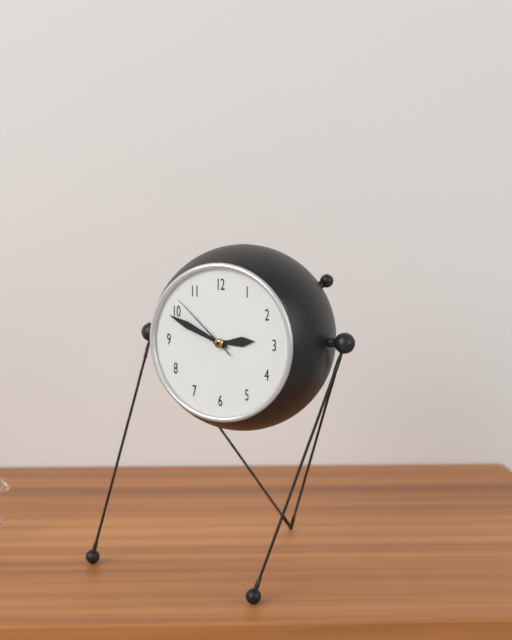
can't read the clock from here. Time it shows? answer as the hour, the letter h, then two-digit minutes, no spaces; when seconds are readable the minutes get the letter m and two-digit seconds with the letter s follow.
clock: 2h49m52s
